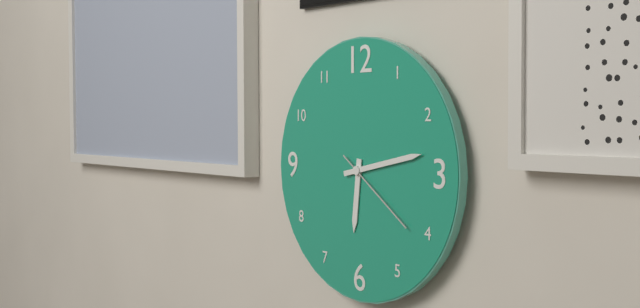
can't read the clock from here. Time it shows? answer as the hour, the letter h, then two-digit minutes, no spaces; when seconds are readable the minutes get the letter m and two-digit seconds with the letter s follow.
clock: 6h13m21s
